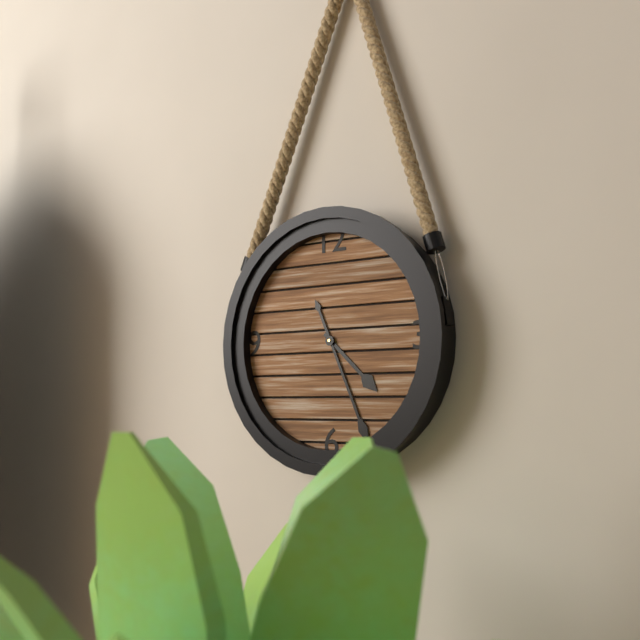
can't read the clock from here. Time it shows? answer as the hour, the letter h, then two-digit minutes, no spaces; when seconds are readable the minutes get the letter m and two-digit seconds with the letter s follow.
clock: 4h26
